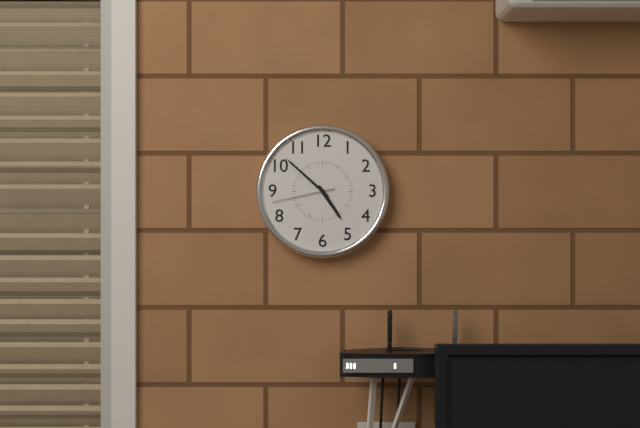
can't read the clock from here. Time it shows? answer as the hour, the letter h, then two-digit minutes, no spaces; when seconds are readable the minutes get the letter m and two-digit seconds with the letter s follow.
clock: 4h52m43s
